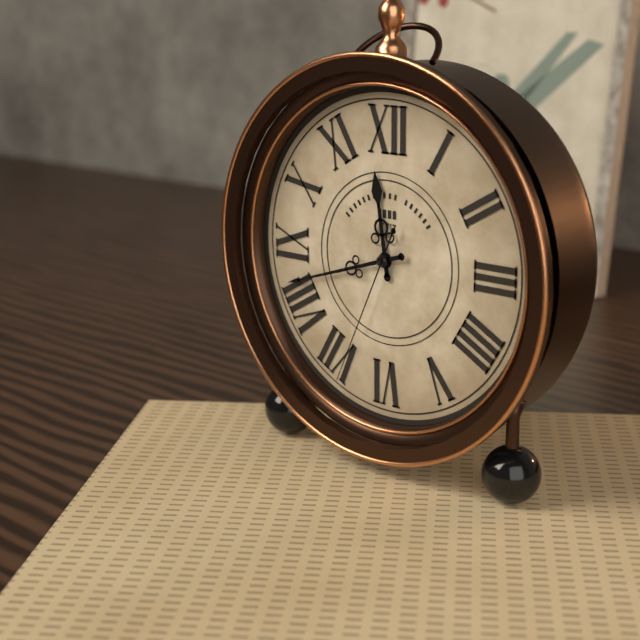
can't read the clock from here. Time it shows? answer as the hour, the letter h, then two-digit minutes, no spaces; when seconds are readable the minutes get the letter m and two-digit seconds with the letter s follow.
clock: 11h42m34s
